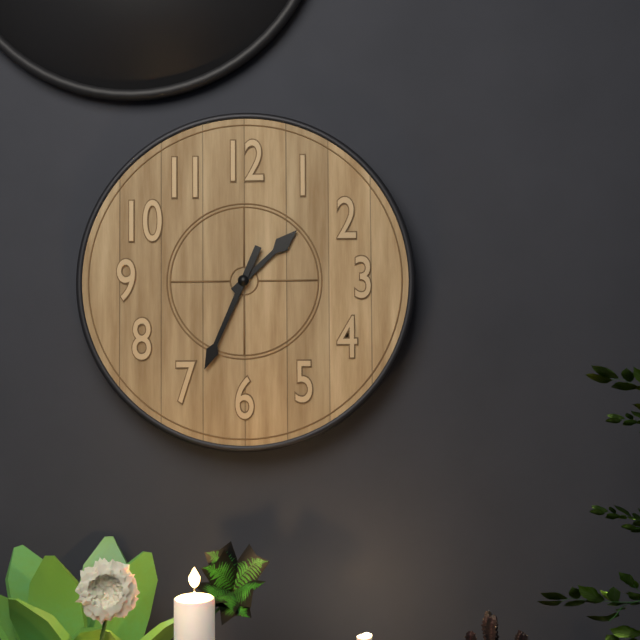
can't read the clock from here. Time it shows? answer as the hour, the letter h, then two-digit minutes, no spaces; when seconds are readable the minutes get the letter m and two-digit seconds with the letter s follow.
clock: 1h34
